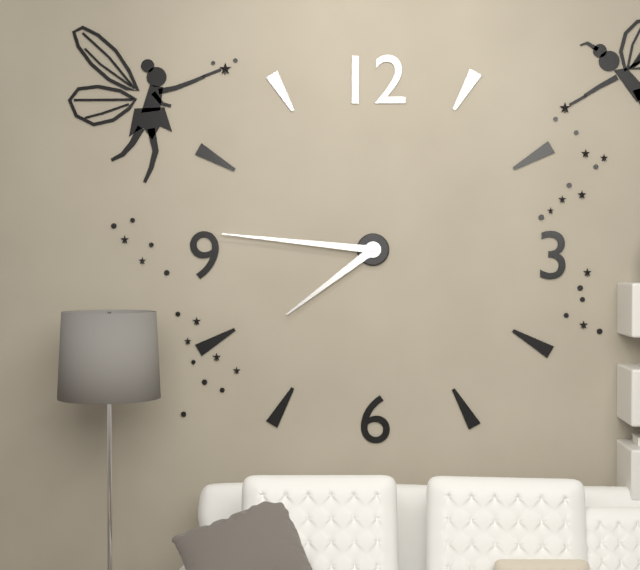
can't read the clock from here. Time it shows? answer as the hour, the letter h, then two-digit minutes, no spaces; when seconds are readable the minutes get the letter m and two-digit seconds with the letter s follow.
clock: 7h46
